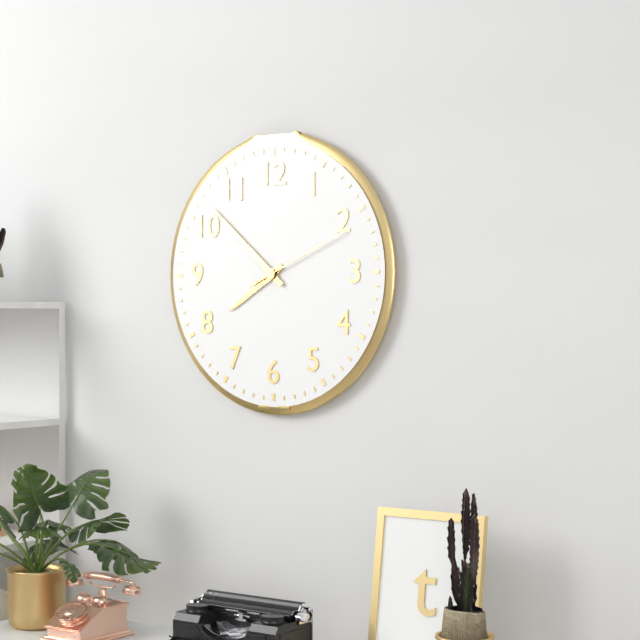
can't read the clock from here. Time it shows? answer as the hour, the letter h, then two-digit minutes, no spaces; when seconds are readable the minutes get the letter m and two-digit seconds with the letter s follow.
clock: 7h52m11s
